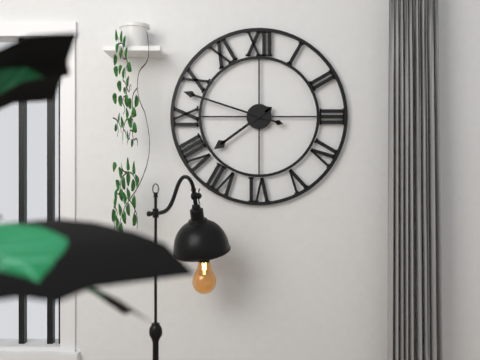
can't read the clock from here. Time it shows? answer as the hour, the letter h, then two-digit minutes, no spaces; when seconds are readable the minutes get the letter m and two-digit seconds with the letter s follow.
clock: 7h48
